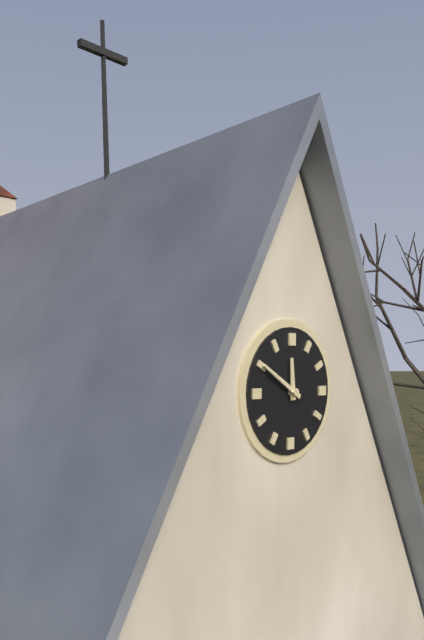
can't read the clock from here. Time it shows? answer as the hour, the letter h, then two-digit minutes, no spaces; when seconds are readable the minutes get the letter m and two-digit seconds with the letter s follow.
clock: 11h50
